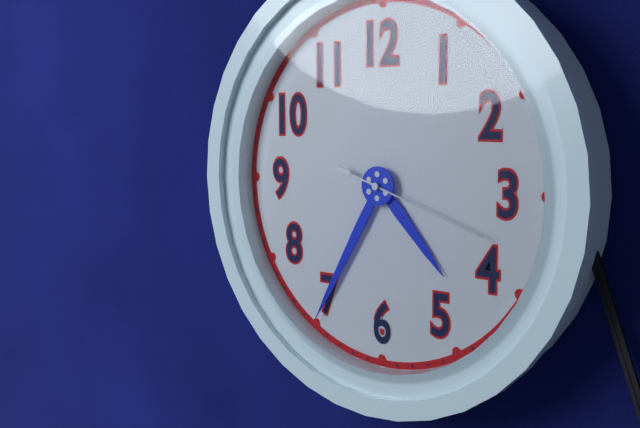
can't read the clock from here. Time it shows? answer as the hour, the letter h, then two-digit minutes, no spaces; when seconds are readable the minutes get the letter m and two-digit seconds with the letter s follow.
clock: 4h35m18s
